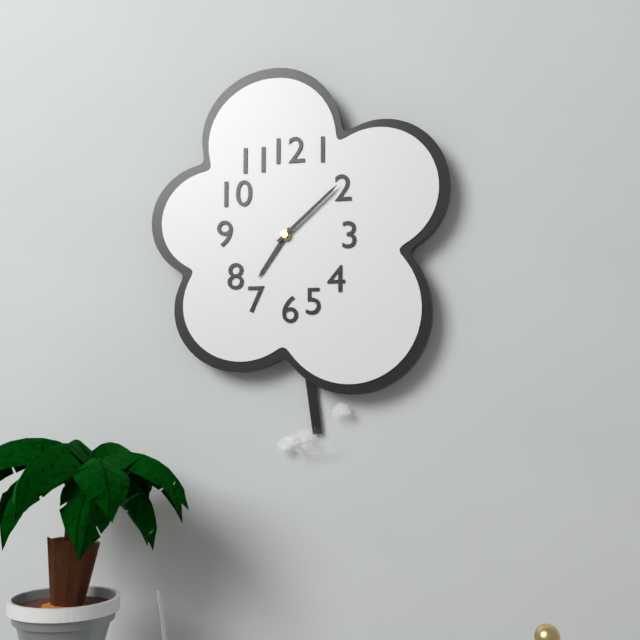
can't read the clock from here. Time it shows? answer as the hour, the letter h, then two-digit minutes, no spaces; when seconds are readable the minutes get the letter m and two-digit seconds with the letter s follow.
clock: 7h08
